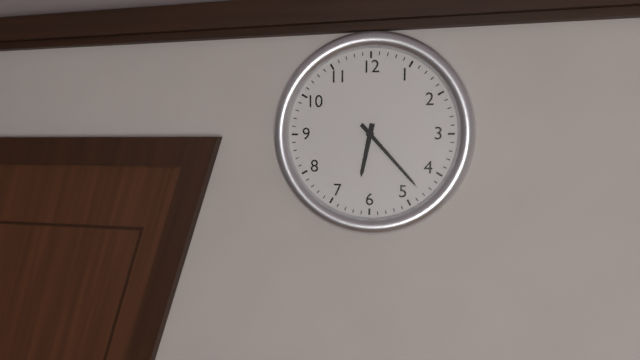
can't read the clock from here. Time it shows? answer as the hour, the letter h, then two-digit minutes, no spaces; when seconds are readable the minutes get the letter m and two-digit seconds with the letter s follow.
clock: 6h23
